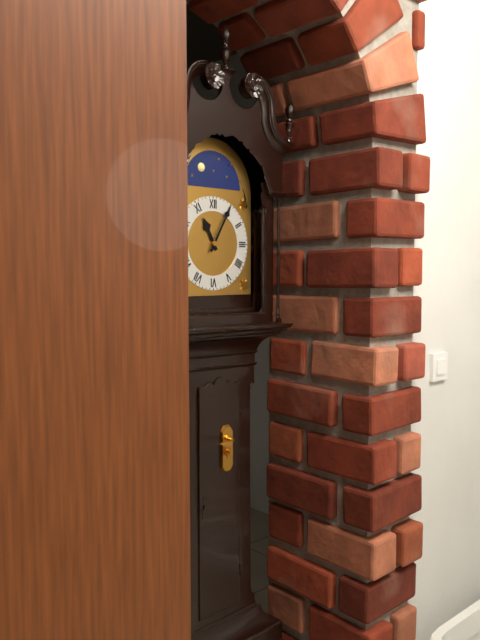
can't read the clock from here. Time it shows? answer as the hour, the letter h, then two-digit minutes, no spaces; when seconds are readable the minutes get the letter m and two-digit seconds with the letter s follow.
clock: 11h05
